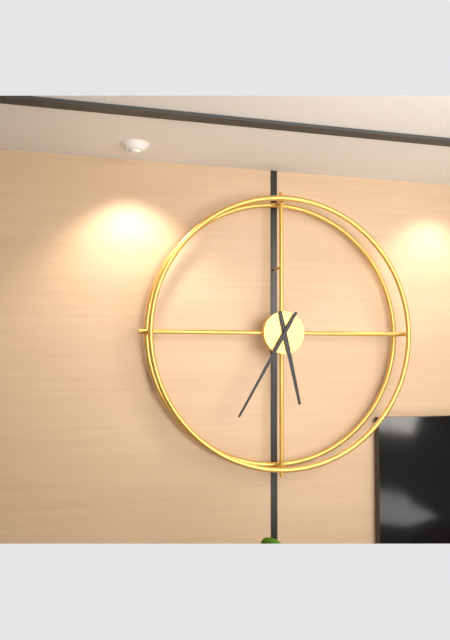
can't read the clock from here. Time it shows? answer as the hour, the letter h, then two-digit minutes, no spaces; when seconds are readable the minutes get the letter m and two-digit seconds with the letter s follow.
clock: 5h35
